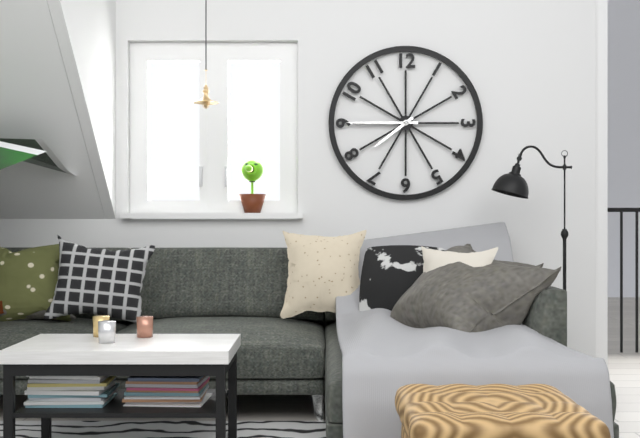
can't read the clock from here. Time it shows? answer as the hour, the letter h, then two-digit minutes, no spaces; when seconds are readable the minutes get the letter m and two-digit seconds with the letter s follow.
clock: 7h45
